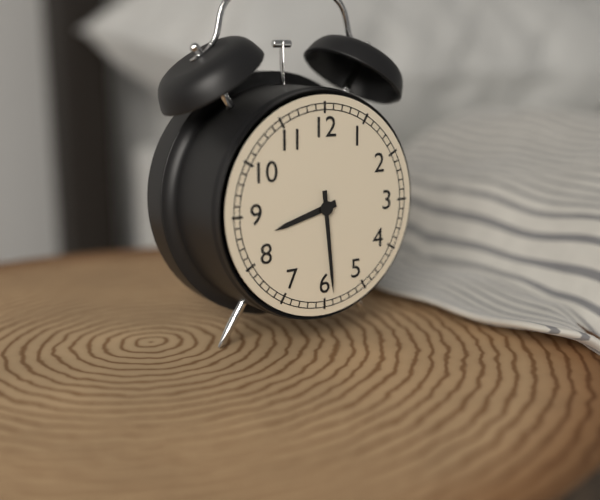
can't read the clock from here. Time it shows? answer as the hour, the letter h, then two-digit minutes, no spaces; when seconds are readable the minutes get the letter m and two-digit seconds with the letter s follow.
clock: 8h29
